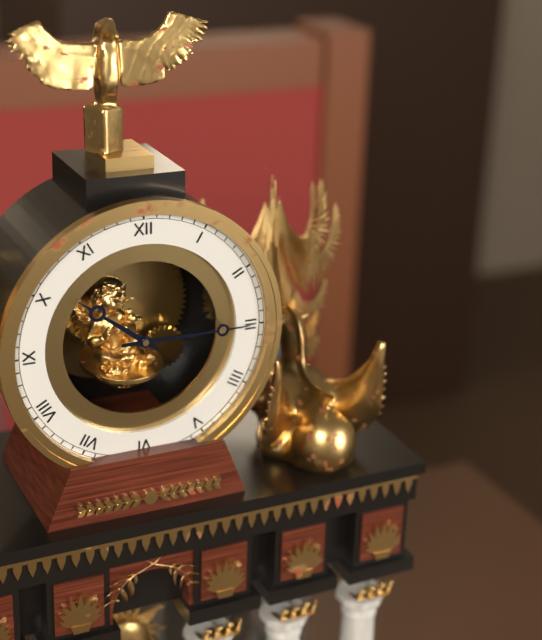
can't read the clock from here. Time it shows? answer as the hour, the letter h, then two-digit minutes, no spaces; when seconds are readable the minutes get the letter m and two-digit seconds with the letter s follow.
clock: 10h15
